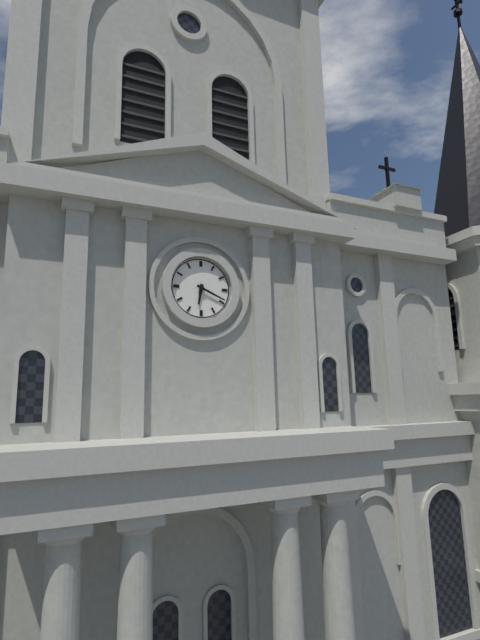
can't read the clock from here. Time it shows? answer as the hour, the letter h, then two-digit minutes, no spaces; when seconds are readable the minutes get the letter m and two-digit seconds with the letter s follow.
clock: 6h19
